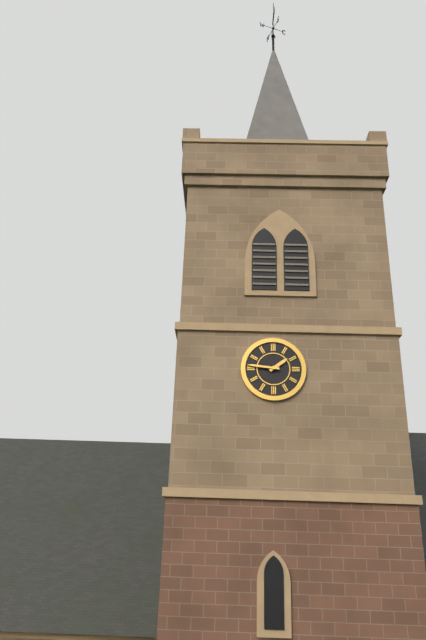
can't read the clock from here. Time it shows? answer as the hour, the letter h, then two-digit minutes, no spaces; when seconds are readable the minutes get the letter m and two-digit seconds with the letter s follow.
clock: 1h46
